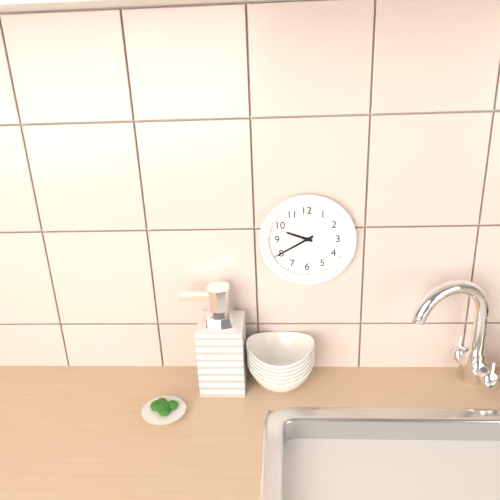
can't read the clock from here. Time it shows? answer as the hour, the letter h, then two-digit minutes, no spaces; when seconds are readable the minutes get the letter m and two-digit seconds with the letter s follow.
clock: 9h40
